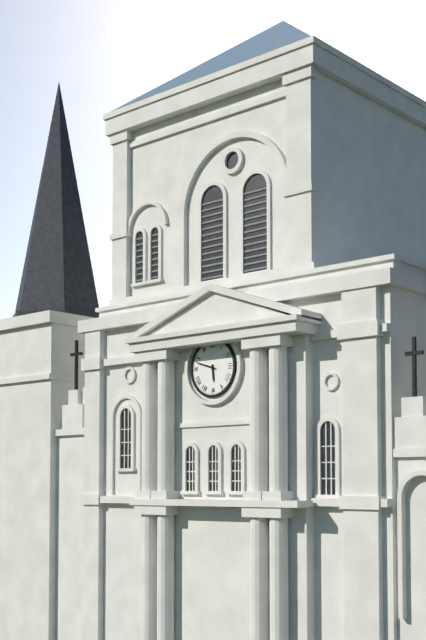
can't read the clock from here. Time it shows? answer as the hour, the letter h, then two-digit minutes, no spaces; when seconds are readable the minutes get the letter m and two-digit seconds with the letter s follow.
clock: 5h48
